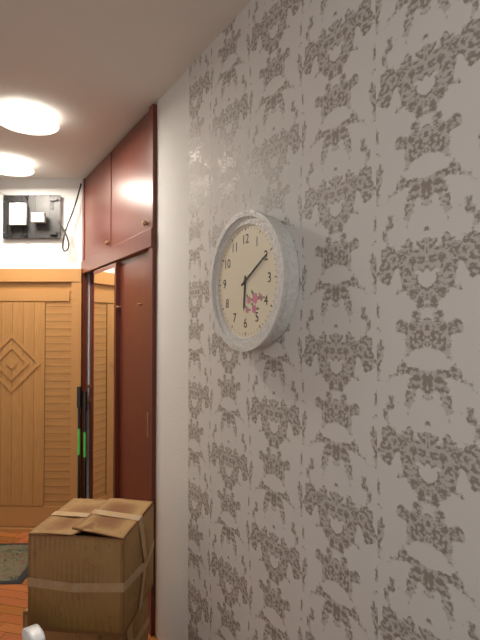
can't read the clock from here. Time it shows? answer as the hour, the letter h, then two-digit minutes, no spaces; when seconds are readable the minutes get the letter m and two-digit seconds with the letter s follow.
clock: 6h10
